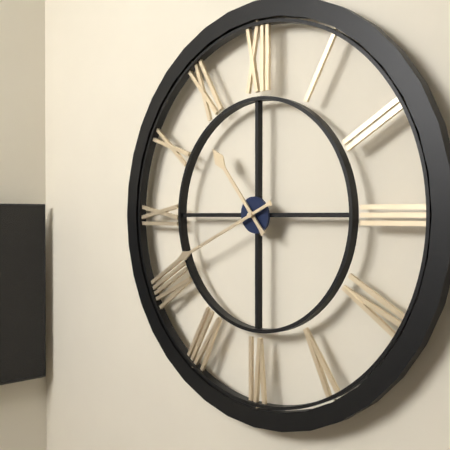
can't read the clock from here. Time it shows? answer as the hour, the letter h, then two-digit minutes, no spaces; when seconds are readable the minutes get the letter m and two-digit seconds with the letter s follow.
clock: 10h41
